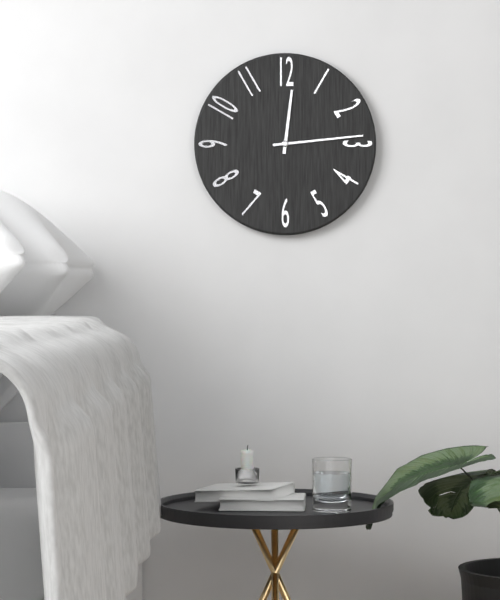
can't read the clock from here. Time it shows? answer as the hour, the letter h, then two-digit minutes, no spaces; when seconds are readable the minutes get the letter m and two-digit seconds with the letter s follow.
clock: 12h14
